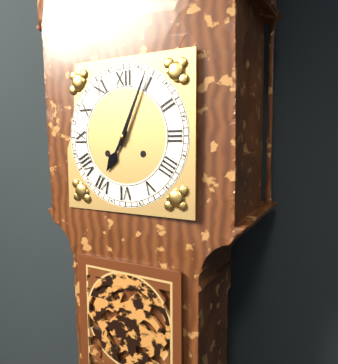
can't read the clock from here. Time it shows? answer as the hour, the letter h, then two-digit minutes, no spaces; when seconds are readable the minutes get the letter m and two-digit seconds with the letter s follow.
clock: 7h04
